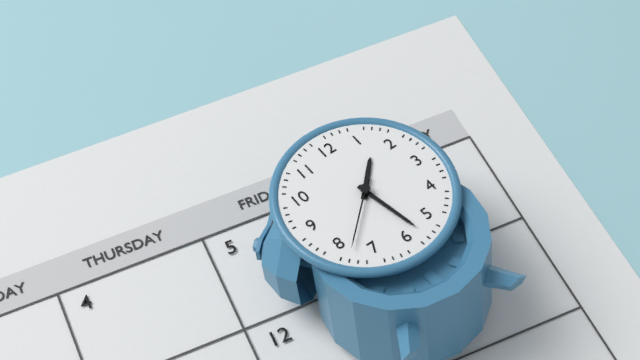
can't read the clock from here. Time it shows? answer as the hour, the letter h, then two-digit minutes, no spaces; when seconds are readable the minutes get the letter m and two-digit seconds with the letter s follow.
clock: 1h28m38s
